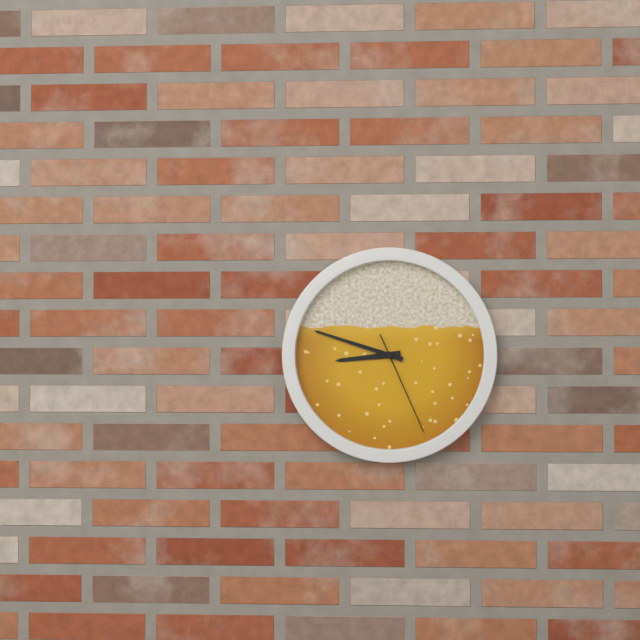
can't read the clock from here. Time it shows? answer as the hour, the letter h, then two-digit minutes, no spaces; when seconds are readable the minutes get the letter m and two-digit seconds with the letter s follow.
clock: 8h48m26s
